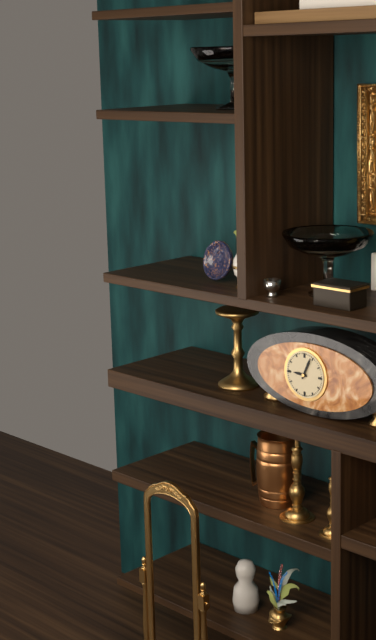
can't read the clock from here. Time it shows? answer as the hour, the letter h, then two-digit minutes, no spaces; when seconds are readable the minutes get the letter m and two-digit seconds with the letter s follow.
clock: 9h04
